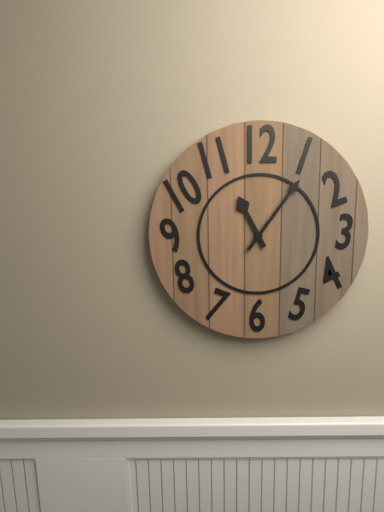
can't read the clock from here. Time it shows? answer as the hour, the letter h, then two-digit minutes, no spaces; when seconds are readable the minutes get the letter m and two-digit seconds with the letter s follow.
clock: 11h06
